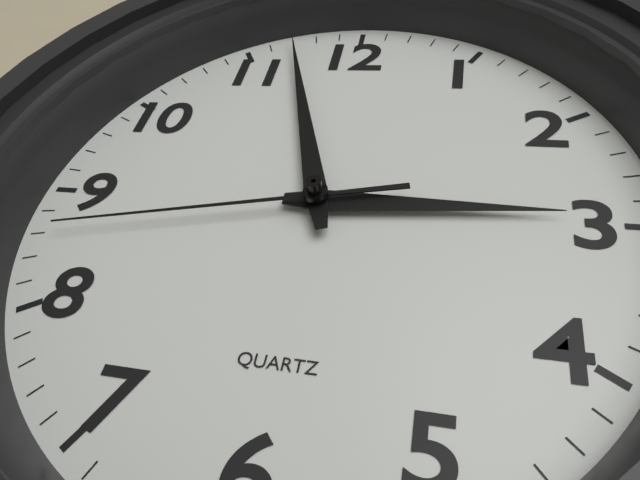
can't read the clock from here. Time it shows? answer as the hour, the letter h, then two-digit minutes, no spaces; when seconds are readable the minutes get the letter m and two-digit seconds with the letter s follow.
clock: 2h57m43s
